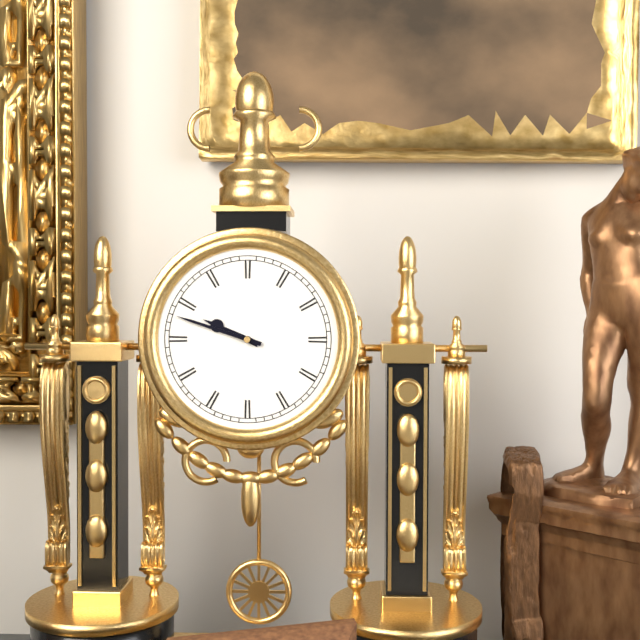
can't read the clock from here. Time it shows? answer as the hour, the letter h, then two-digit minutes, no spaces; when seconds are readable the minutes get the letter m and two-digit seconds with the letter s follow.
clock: 9h48
